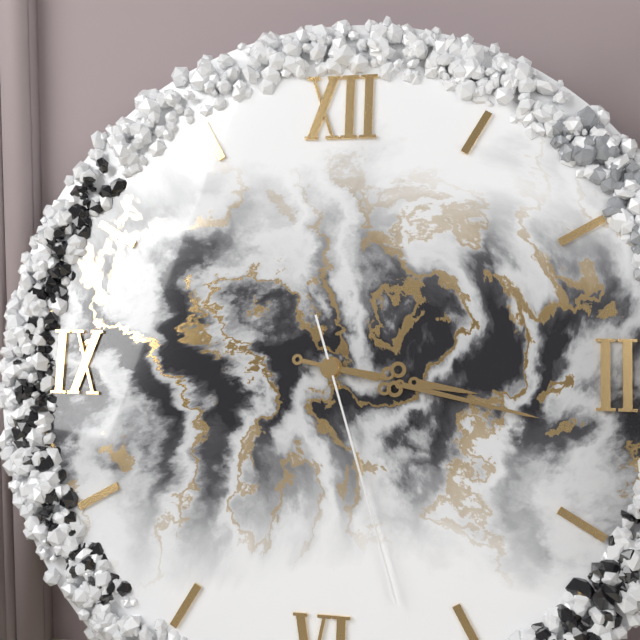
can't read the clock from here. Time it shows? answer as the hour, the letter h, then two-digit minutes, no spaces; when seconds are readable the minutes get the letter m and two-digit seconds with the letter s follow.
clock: 3h17m27s
